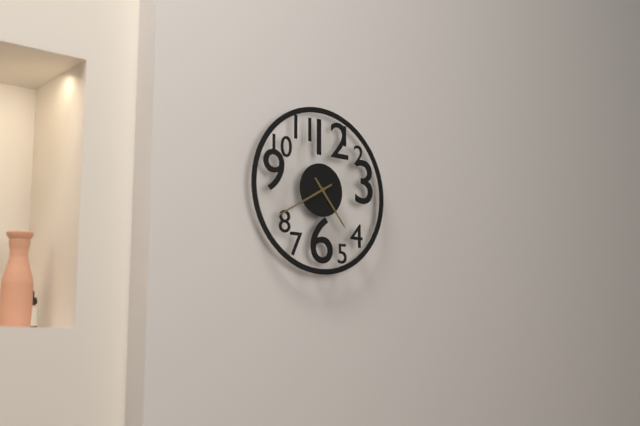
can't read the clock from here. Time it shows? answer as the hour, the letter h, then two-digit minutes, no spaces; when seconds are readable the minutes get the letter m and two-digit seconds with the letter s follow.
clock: 4h40
